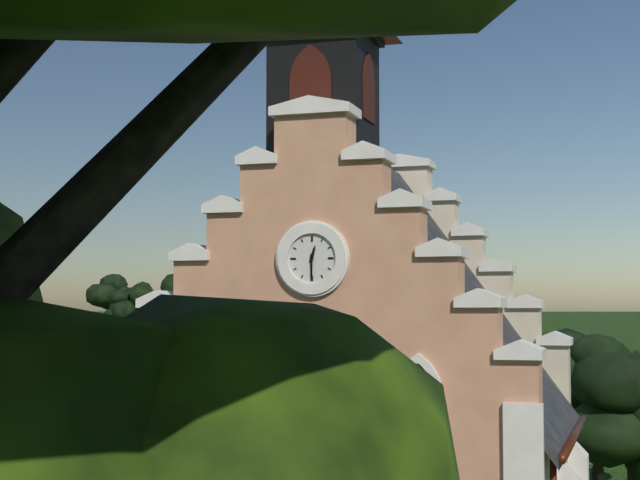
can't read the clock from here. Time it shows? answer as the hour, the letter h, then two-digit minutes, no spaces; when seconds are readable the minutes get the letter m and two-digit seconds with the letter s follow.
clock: 12h30
